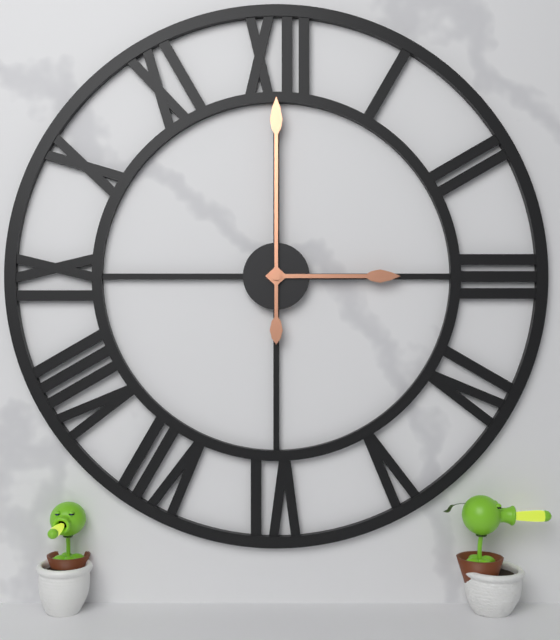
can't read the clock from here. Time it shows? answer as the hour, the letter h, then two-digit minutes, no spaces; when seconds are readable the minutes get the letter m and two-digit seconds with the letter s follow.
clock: 3h00
